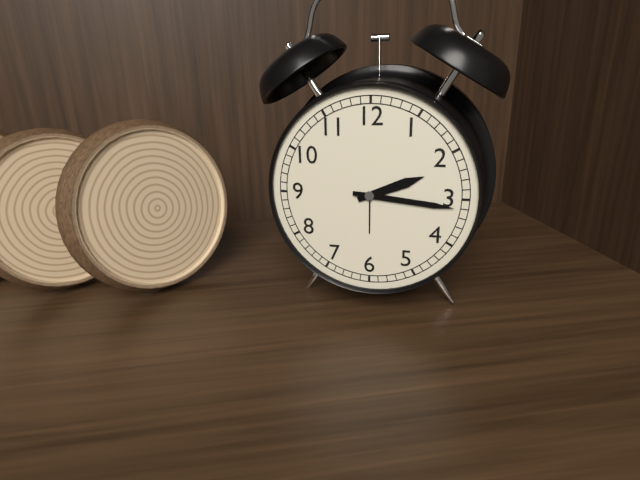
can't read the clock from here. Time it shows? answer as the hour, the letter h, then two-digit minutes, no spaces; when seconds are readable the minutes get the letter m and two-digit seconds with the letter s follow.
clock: 2h16
